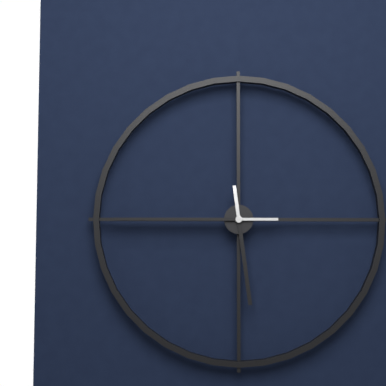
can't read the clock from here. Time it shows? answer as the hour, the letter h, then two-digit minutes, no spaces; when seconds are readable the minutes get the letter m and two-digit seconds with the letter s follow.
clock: 5h45
